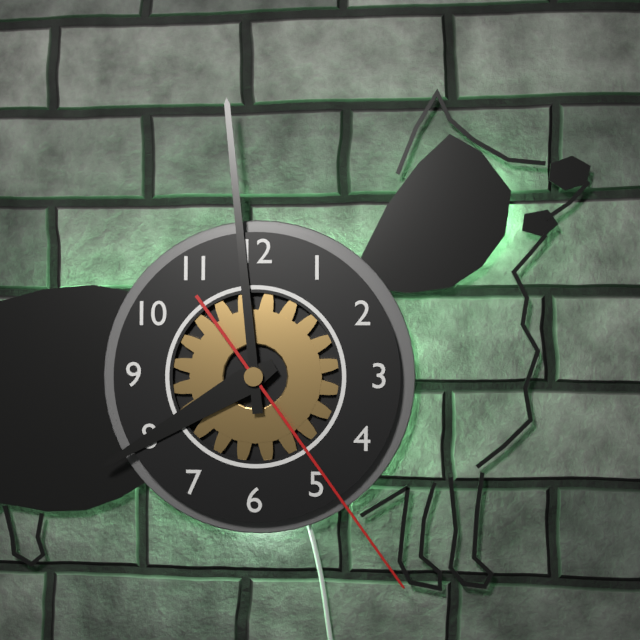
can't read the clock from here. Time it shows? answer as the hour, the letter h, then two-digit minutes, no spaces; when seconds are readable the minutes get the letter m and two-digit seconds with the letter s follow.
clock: 7h59m24s
